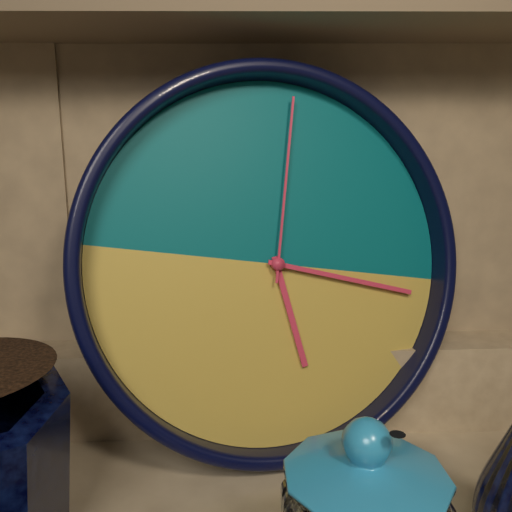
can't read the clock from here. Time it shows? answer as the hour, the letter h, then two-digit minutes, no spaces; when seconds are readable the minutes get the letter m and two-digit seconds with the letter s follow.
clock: 5h16m00s
